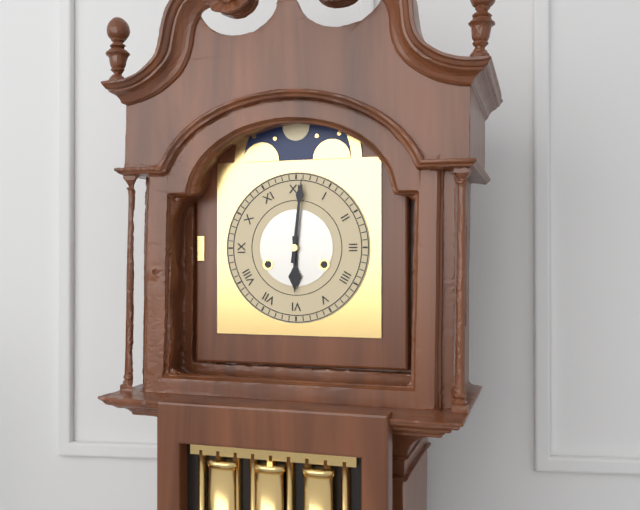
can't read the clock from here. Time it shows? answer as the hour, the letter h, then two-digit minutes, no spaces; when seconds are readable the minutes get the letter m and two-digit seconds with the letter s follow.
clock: 6h01
